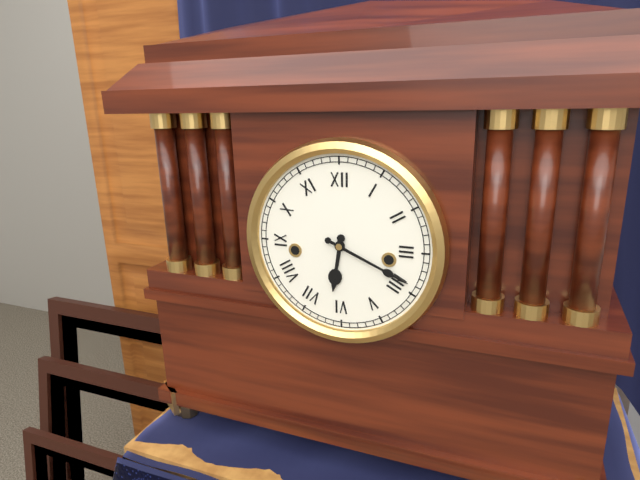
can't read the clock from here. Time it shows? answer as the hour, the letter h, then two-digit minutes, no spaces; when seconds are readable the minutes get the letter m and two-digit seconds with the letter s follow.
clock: 6h19
